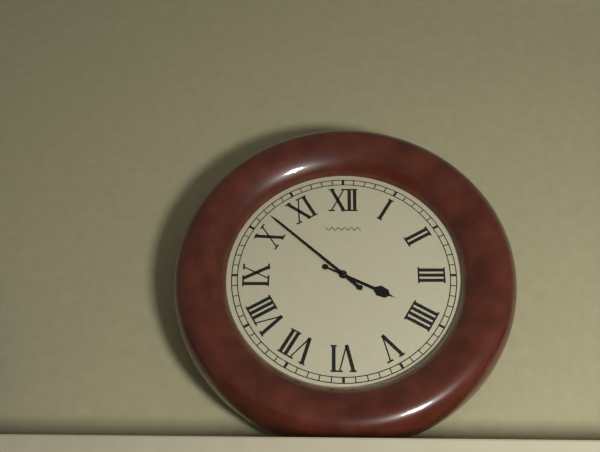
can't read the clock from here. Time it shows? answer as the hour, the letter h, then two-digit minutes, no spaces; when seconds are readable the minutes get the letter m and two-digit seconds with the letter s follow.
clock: 3h52
